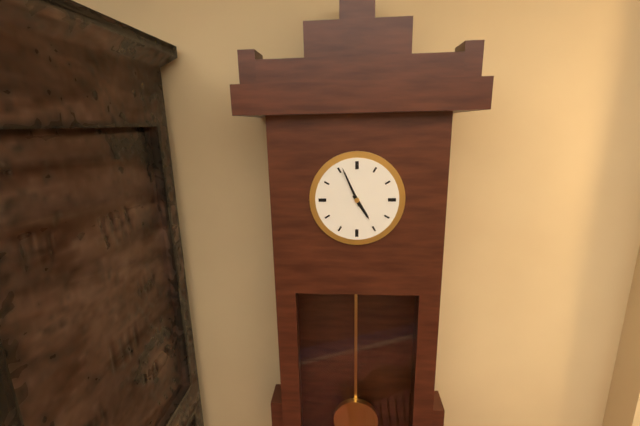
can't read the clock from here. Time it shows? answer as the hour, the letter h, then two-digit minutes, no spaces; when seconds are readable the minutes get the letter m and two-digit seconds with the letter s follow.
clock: 4h56
